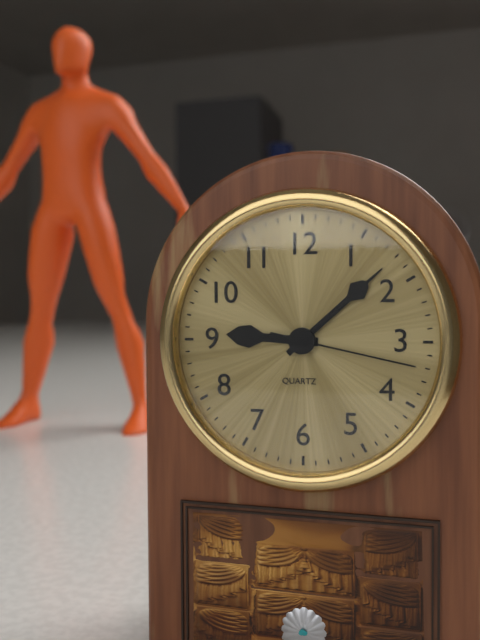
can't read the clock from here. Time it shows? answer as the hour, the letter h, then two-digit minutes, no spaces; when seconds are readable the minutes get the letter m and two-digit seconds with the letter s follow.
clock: 9h08m17s
